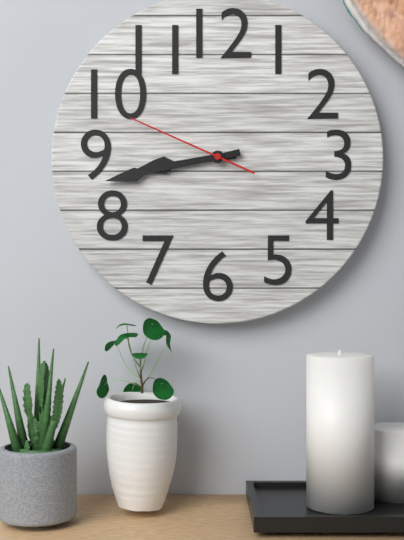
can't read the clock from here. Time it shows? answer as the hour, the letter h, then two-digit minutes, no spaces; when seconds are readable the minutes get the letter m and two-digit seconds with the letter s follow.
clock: 8h43m49s
